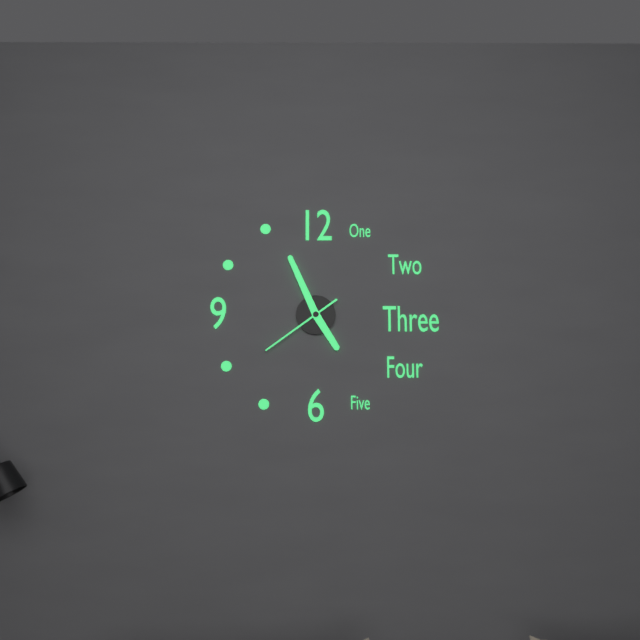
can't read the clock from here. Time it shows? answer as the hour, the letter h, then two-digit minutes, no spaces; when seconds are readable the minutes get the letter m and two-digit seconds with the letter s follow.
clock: 4h56m39s
